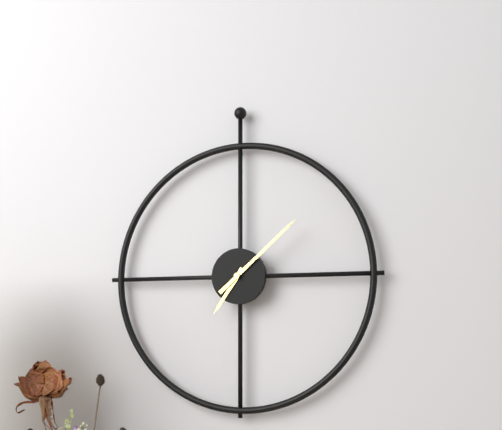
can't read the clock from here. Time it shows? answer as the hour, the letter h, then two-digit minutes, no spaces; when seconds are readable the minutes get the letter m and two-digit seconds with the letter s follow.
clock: 7h08
